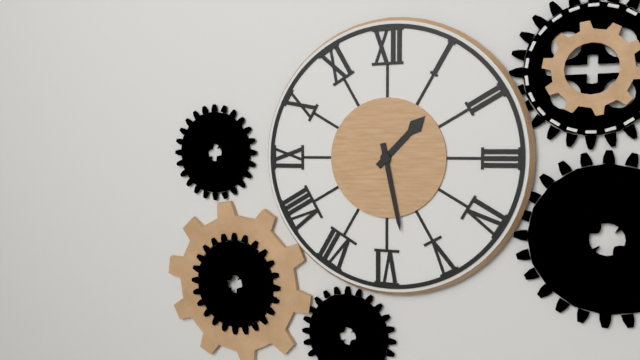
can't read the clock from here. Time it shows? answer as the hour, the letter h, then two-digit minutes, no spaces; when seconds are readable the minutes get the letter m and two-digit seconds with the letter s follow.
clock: 1h28
